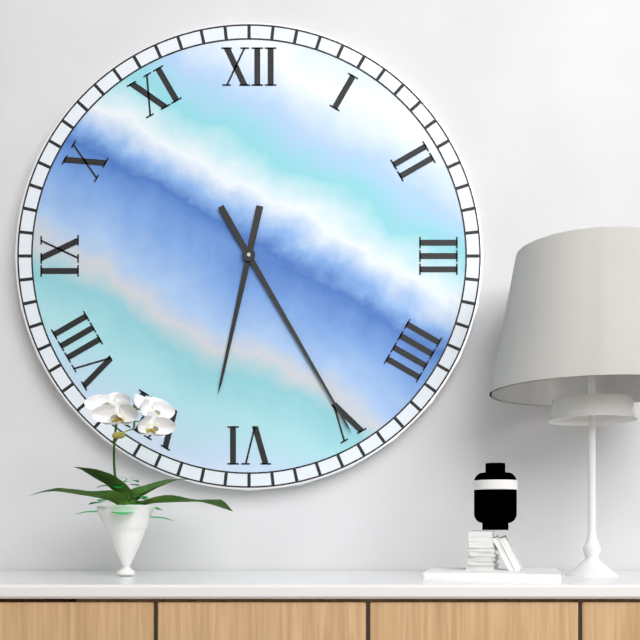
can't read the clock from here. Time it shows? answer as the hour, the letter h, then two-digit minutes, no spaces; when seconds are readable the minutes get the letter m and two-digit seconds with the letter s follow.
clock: 6h25
